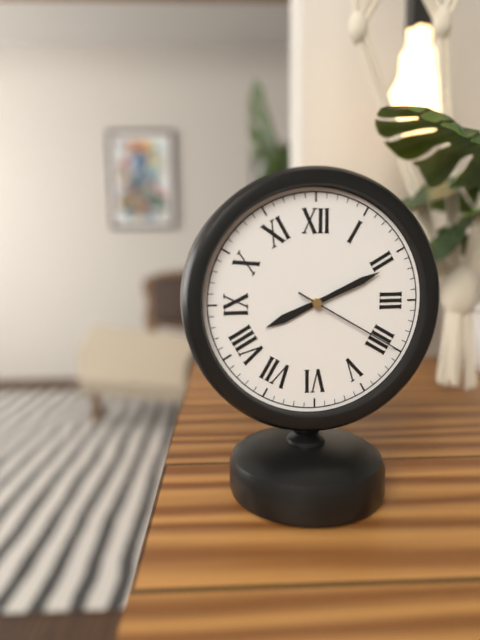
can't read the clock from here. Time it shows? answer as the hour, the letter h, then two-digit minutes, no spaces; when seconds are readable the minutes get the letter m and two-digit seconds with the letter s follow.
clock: 8h11m20s
